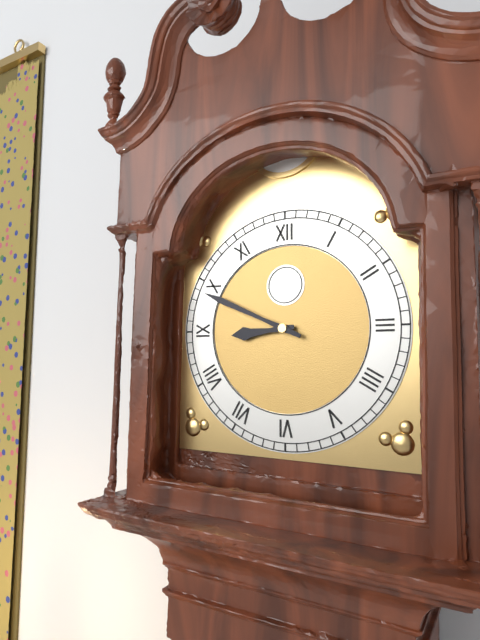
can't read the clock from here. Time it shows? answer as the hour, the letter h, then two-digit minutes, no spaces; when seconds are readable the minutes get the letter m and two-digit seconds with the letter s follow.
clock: 8h49
